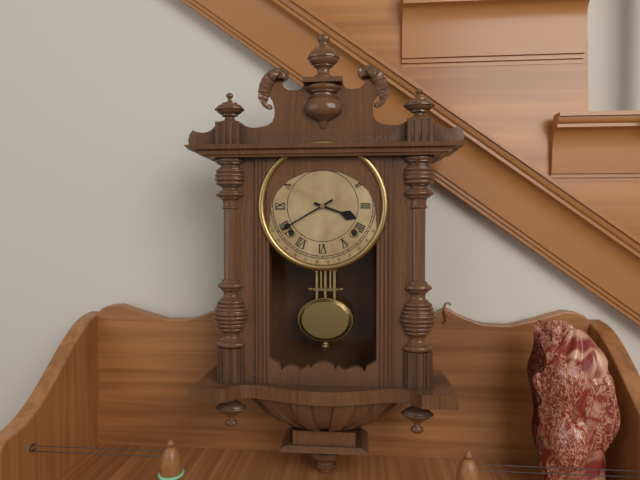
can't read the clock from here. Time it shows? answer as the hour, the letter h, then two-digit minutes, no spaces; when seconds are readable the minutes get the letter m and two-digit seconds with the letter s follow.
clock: 3h40
